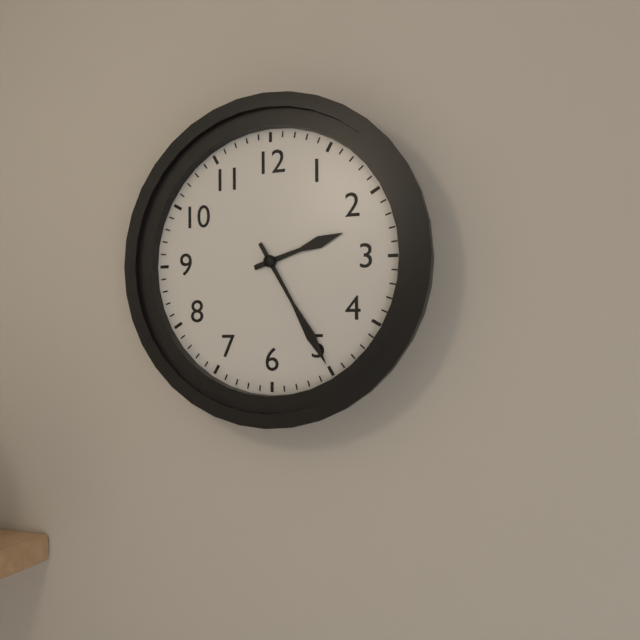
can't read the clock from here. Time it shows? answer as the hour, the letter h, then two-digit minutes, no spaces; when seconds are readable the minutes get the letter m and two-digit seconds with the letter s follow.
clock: 2h25
